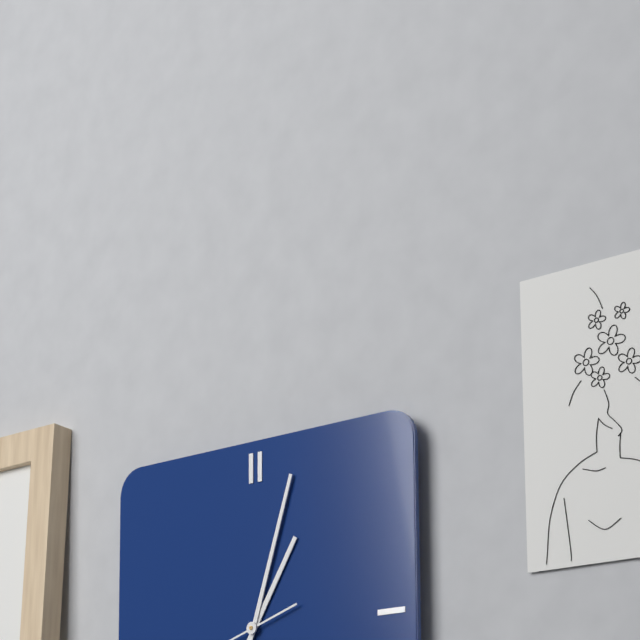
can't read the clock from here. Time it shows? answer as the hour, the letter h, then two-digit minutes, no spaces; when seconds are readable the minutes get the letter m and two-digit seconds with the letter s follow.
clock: 1h03
